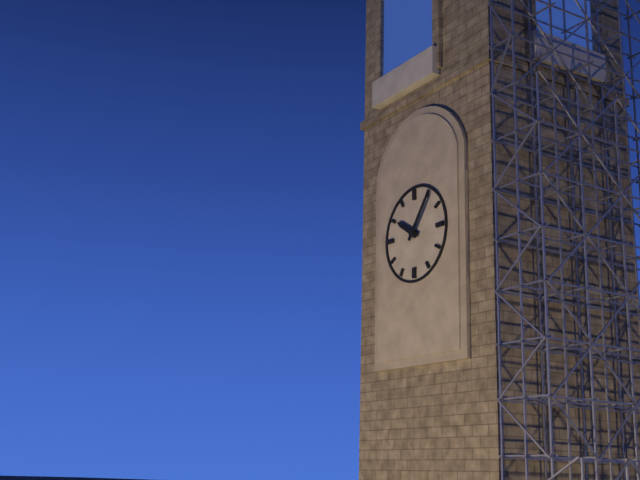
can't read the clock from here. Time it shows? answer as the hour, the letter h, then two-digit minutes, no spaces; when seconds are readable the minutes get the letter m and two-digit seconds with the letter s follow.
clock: 10h06
